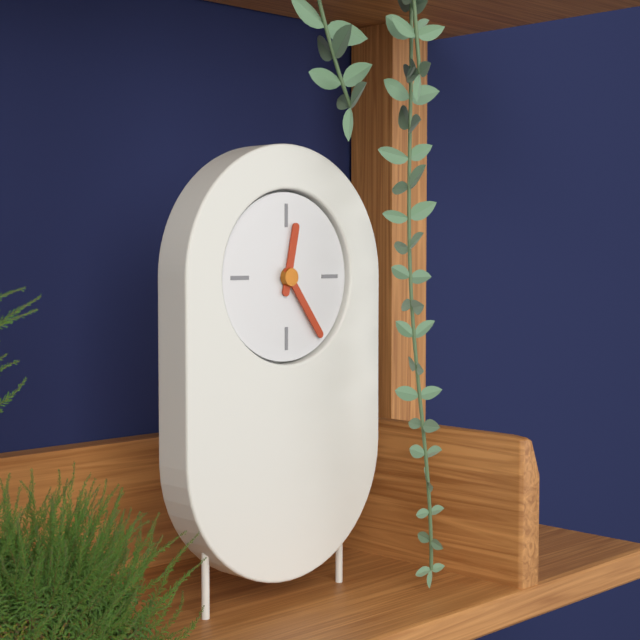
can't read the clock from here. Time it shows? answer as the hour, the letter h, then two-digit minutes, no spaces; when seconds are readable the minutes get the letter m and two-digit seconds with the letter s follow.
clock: 12h24
